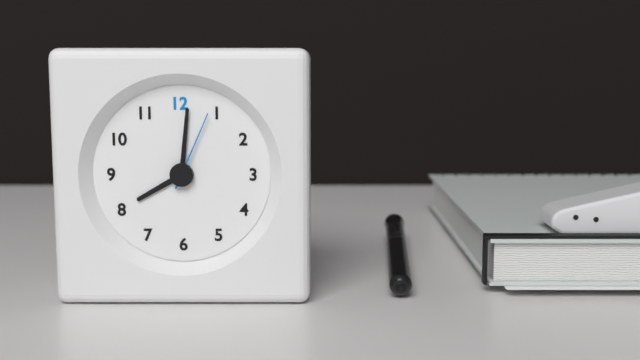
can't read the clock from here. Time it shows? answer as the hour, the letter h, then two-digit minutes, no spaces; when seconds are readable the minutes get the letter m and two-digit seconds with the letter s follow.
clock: 8h01m04s
